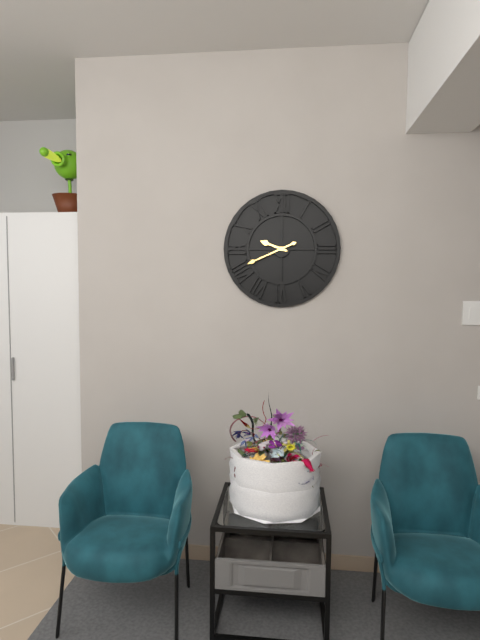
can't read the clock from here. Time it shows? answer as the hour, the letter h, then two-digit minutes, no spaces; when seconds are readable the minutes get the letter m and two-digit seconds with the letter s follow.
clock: 9h41
